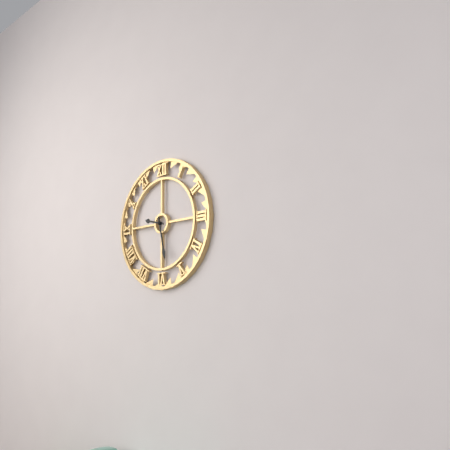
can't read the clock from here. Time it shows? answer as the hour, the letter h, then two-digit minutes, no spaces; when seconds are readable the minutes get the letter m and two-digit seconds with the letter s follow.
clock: 9h28
